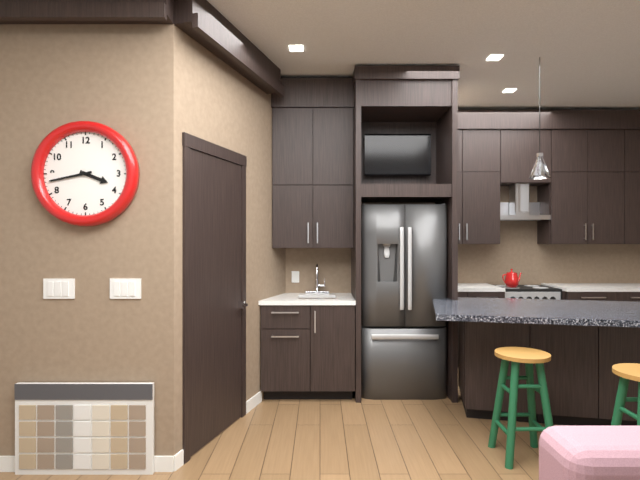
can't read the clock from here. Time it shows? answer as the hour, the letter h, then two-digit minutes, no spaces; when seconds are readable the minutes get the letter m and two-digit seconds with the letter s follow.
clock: 3h43
